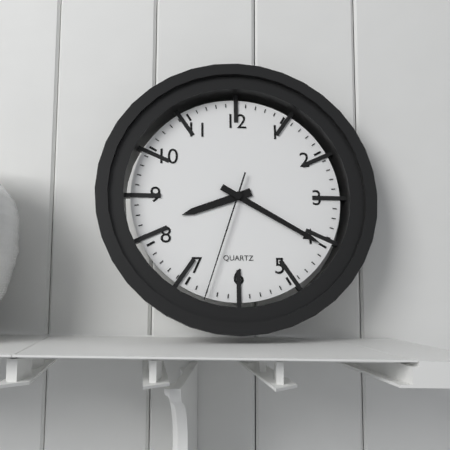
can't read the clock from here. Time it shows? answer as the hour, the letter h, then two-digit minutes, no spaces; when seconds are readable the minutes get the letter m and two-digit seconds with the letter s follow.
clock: 8h20m33s
